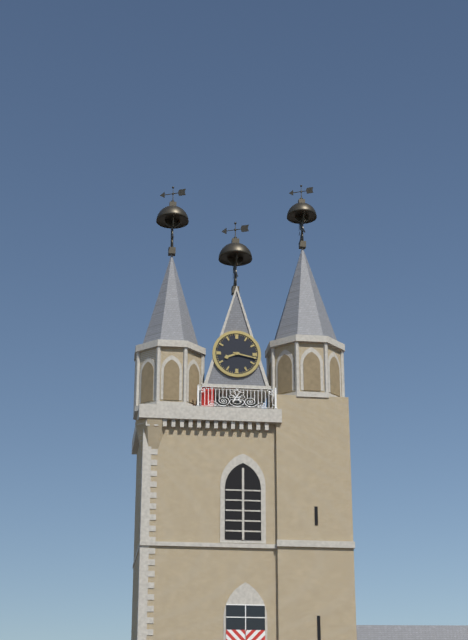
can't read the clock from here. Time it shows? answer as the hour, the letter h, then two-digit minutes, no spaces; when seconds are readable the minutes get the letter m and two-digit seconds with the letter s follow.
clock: 8h17
